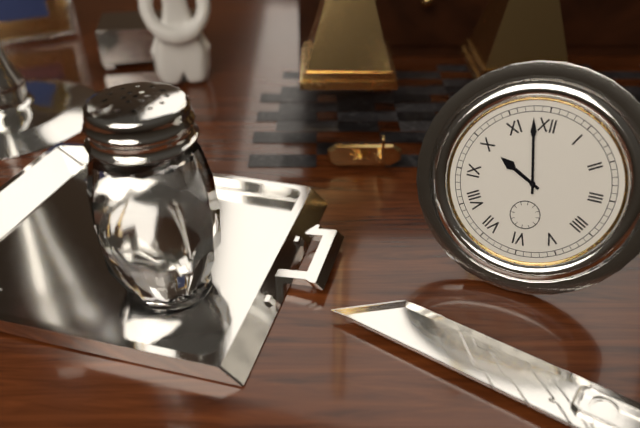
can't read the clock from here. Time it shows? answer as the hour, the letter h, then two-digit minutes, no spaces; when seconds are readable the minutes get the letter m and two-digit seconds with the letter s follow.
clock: 9h58
